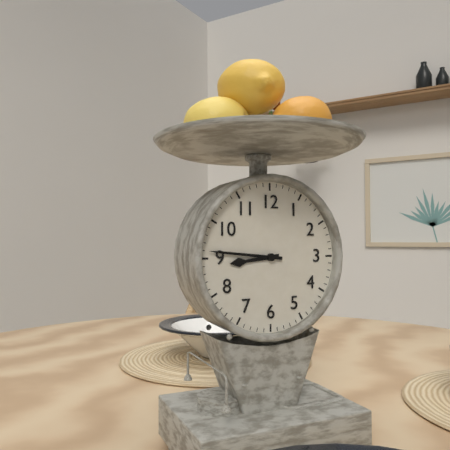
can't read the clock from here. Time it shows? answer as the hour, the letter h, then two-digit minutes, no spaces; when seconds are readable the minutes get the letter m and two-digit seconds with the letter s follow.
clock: 8h46
